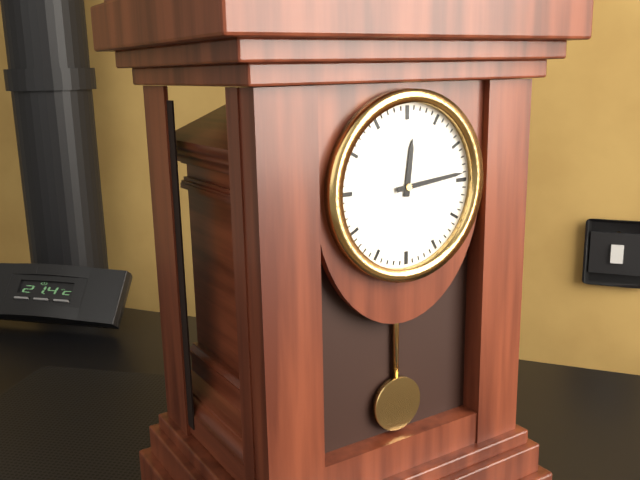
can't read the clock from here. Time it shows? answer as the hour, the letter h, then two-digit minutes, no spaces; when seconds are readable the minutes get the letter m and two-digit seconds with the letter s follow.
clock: 12h14
